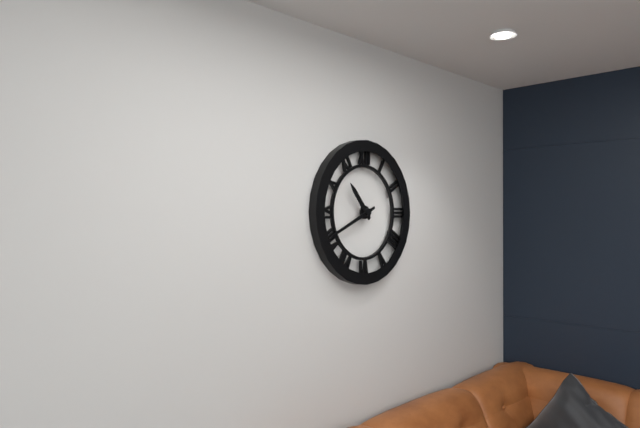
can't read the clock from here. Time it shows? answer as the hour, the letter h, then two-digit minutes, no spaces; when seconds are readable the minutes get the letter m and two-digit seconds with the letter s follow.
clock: 10h41
